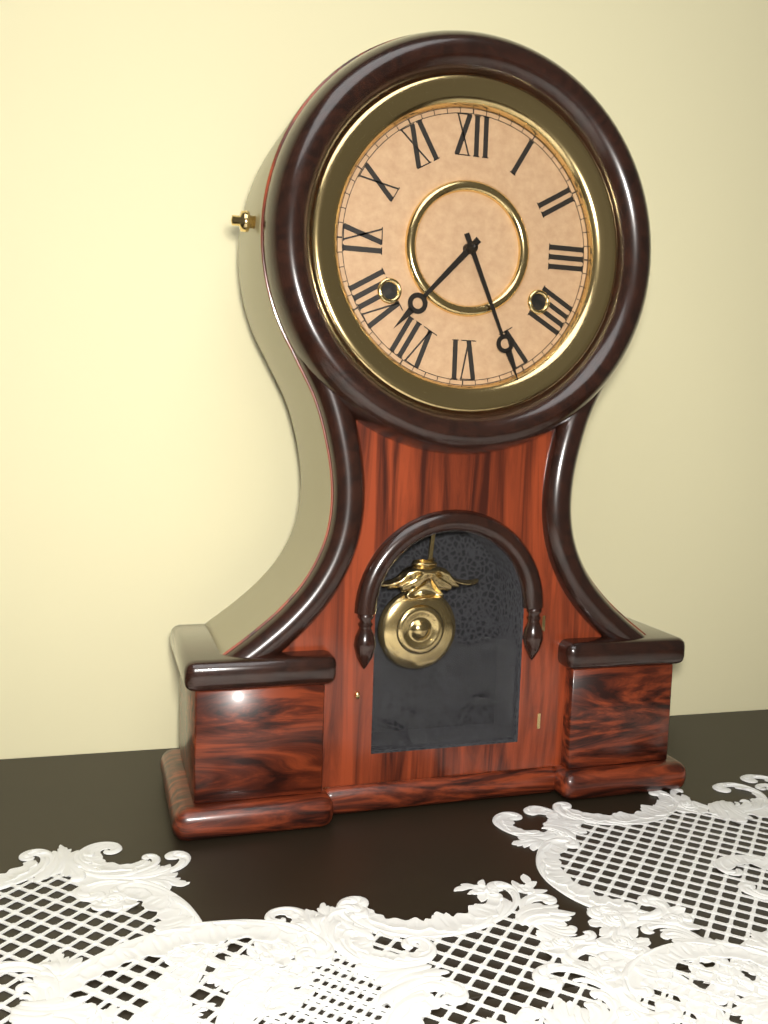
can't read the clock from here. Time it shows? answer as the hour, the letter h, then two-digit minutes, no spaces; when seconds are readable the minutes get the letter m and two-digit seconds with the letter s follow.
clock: 7h26
